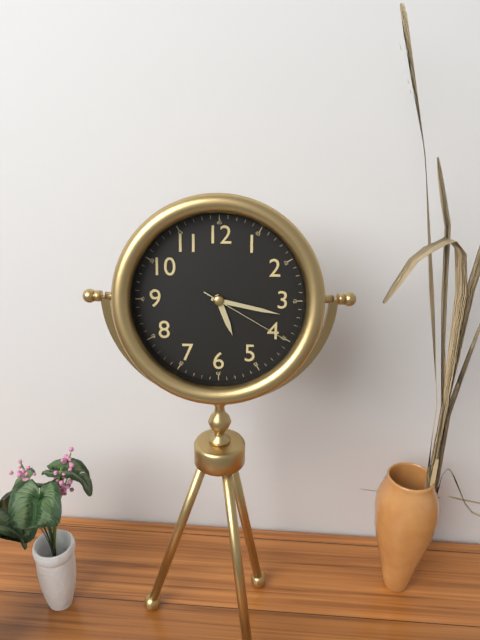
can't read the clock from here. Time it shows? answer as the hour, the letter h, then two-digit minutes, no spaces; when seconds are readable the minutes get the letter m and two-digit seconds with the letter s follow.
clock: 5h17m20s
